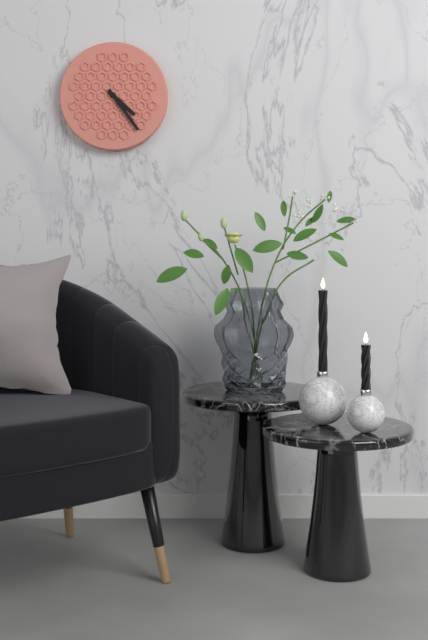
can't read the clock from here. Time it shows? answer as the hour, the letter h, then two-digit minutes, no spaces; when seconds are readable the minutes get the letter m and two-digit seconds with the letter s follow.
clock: 4h24
